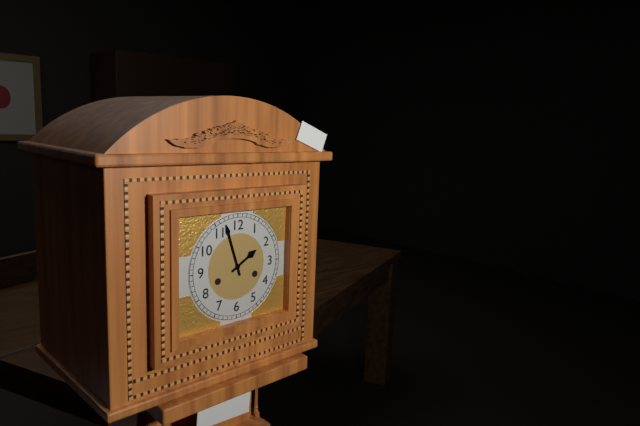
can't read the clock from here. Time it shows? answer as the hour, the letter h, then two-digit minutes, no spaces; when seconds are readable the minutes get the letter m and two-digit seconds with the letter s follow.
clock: 1h57
